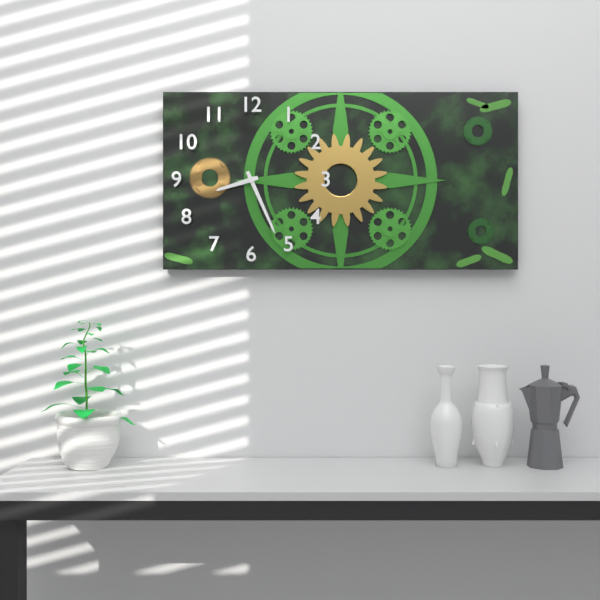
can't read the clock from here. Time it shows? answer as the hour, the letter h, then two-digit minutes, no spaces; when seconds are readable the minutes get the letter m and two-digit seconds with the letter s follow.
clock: 8h26
